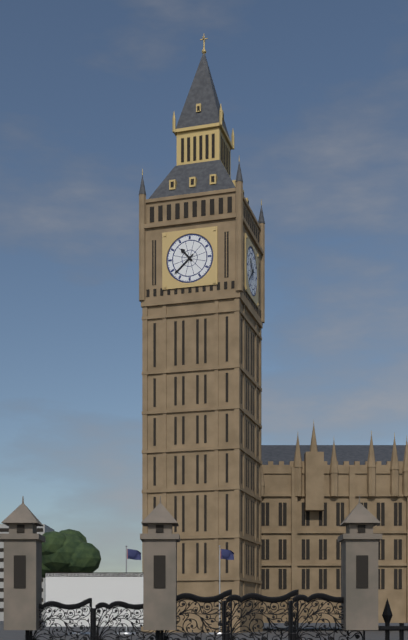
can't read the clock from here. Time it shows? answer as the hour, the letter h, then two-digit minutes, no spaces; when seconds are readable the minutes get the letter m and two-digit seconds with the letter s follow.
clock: 10h38
